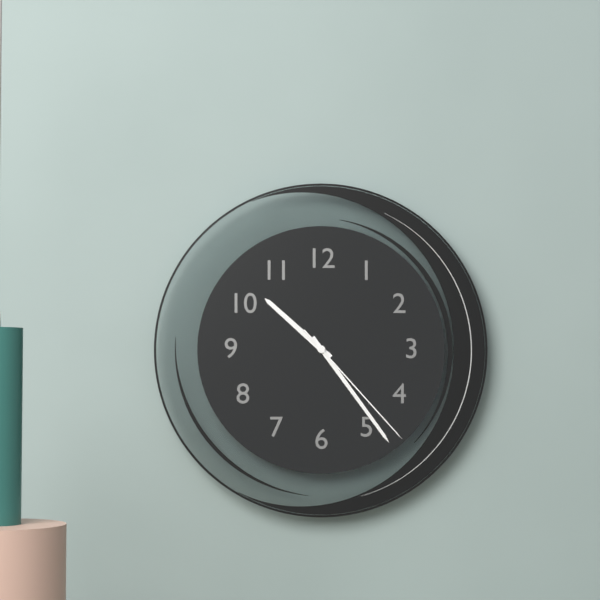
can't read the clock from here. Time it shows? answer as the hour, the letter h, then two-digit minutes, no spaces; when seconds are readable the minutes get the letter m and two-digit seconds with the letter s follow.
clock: 10h24m23s
